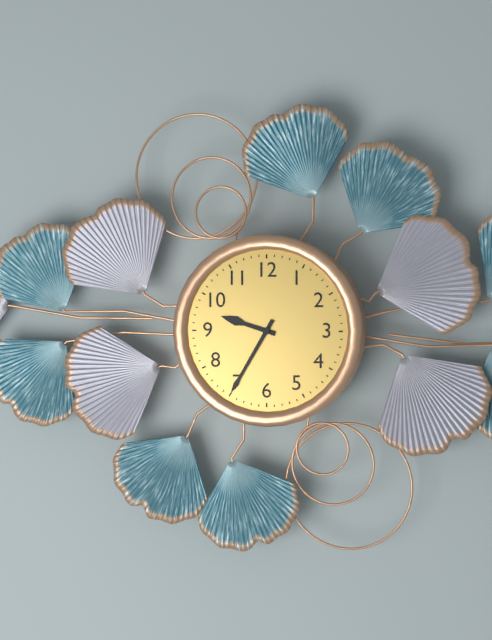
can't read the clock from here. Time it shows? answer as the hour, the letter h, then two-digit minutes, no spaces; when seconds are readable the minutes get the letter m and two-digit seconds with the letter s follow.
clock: 9h35
